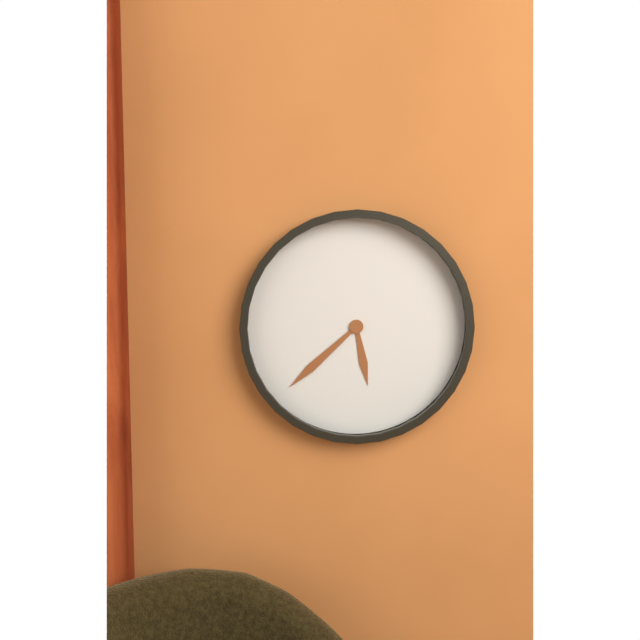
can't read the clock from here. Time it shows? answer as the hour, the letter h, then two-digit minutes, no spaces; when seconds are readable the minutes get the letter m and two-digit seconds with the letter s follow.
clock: 5h38
